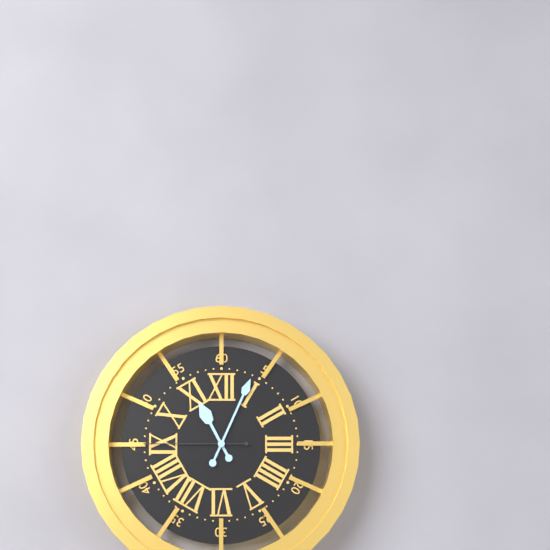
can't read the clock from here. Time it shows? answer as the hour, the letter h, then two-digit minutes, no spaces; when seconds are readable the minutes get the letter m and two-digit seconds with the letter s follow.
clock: 11h04m45s
